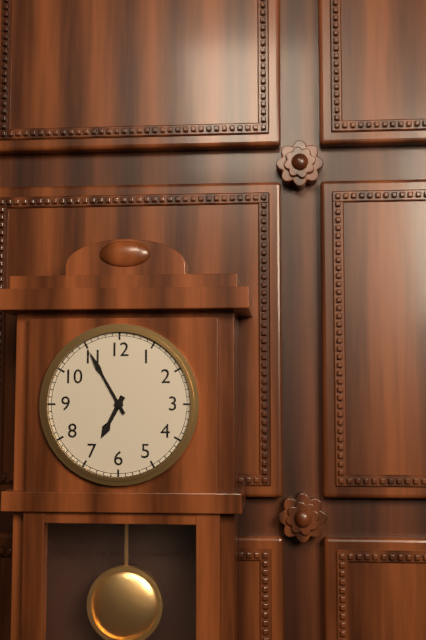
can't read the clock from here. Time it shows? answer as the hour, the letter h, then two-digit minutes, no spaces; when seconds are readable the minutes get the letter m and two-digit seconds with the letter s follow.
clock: 6h55
